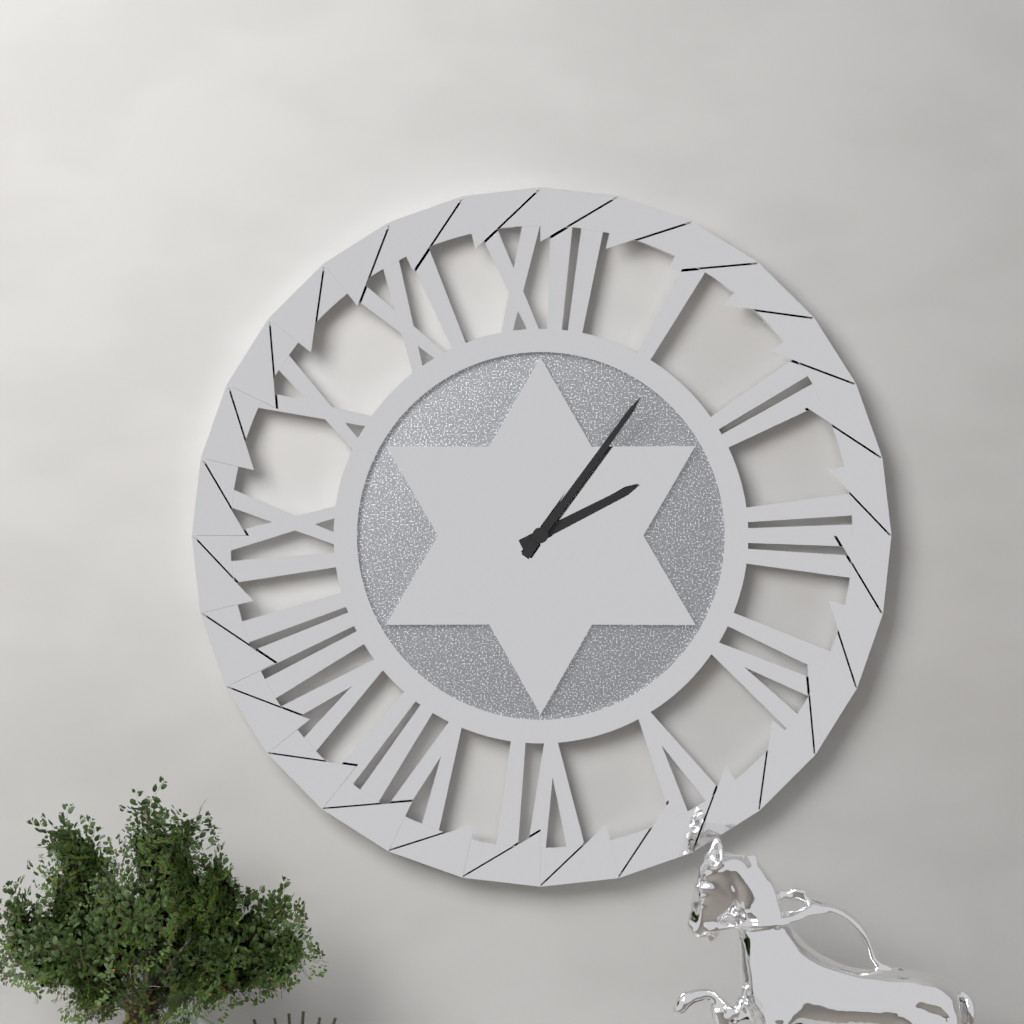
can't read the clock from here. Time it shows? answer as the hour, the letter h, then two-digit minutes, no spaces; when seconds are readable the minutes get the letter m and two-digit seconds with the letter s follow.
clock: 2h06
